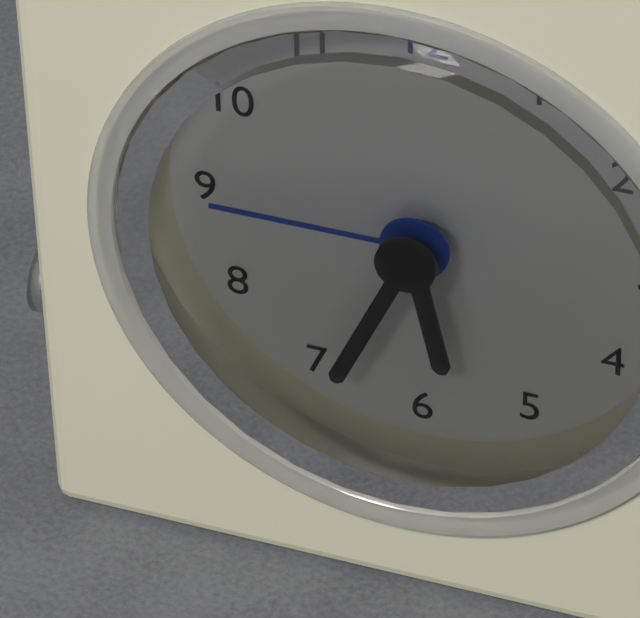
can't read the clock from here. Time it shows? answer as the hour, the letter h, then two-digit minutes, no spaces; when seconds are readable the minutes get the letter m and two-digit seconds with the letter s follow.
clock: 5h34m45s
